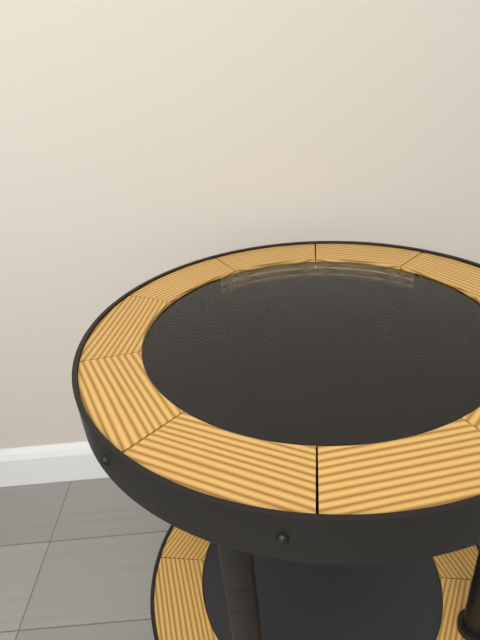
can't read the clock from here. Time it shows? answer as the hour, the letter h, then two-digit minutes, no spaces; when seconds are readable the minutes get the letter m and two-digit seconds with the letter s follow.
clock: 4h39
